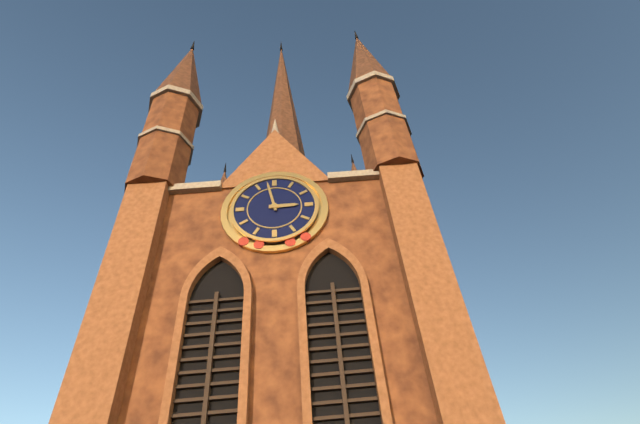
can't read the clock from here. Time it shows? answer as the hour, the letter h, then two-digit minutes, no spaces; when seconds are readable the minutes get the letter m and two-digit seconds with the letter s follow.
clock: 2h58
